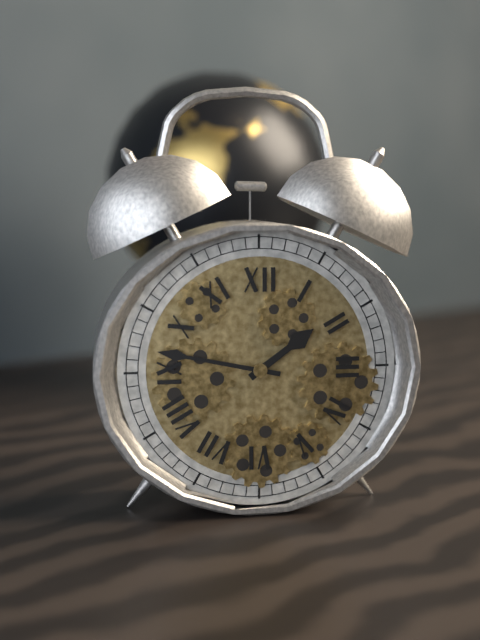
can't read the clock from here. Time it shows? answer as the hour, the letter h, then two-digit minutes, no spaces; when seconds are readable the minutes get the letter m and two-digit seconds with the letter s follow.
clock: 1h47
